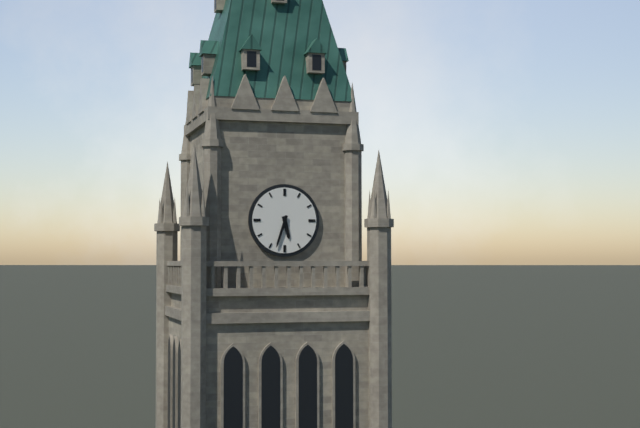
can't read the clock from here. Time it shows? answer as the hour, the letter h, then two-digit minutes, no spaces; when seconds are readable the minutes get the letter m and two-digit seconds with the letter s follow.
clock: 5h33
